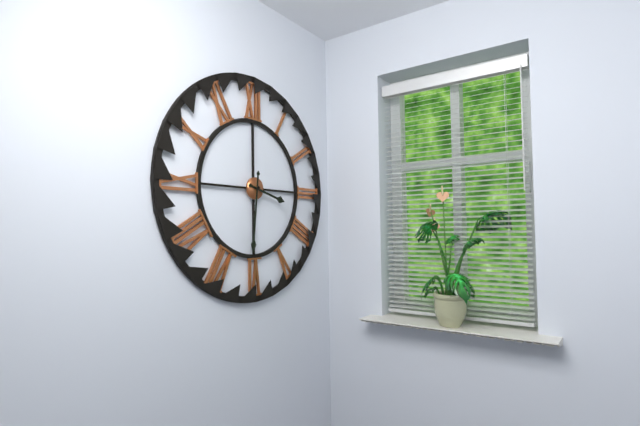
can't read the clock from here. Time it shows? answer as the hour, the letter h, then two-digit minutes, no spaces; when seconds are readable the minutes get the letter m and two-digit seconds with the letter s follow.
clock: 3h31
